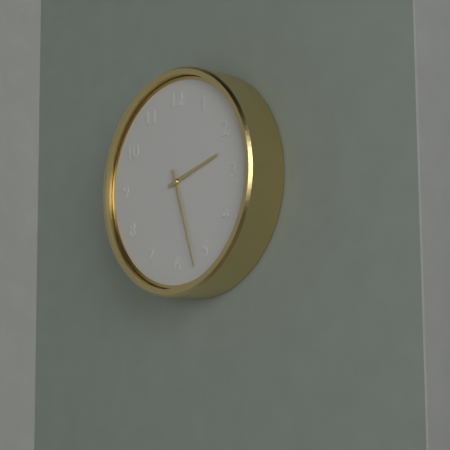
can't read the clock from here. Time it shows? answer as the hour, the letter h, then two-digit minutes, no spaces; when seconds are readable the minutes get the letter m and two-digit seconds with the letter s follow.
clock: 2h27
